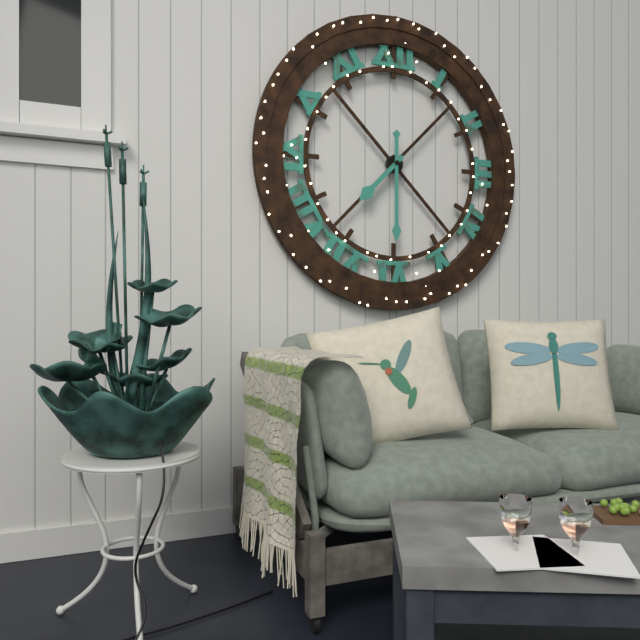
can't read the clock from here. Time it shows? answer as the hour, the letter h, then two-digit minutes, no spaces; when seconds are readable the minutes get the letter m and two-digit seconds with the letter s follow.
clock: 7h30
